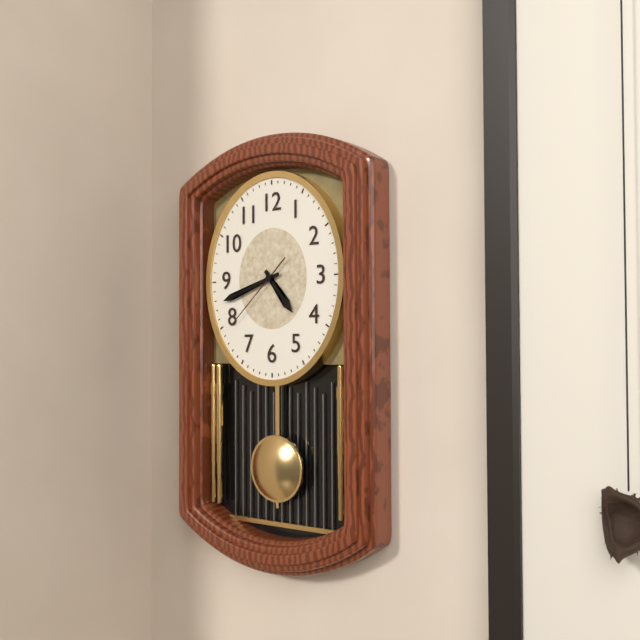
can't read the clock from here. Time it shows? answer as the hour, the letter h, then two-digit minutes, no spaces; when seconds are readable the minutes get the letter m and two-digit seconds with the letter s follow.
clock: 4h42m38s
